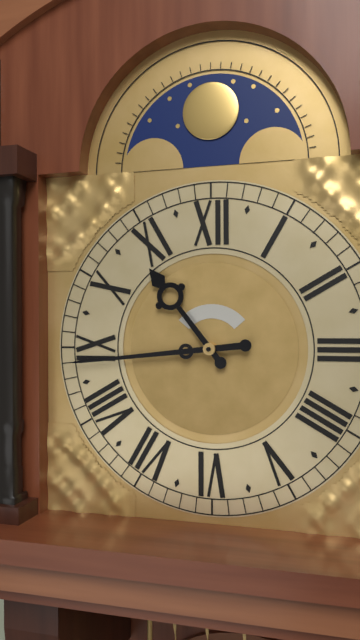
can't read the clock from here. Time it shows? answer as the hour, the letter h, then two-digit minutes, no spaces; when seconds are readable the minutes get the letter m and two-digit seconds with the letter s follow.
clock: 10h44
